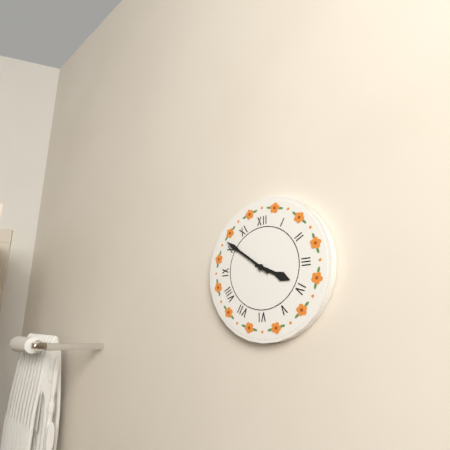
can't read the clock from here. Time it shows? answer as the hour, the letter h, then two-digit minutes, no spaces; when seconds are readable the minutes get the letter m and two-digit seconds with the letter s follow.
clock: 3h51
